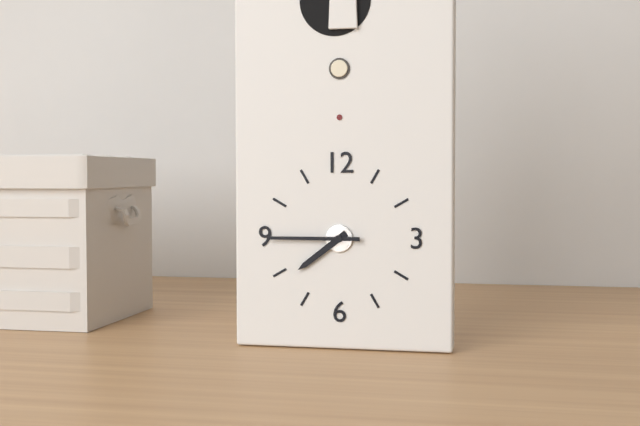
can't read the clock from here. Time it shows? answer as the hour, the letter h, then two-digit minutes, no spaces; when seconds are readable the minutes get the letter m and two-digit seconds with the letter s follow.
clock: 7h45
